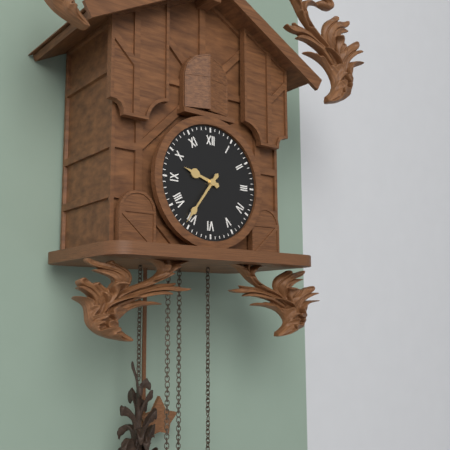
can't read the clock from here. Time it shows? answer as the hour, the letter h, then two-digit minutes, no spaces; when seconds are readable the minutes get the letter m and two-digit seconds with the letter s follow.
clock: 9h36
